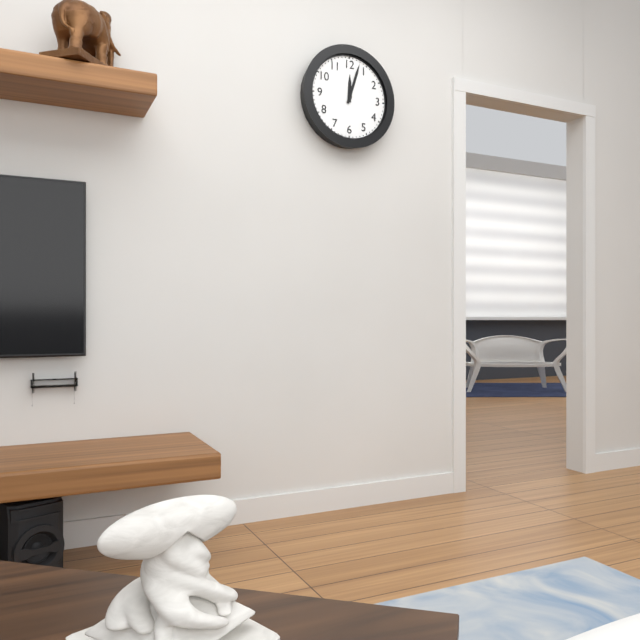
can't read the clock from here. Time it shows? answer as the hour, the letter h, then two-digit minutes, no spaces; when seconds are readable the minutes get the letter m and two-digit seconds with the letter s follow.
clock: 12h03
